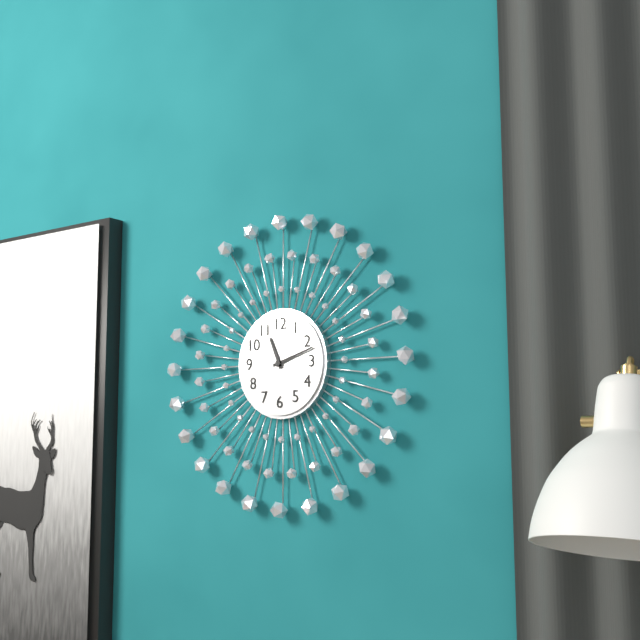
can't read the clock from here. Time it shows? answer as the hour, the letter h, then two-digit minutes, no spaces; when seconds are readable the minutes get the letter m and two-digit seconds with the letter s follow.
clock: 11h12
